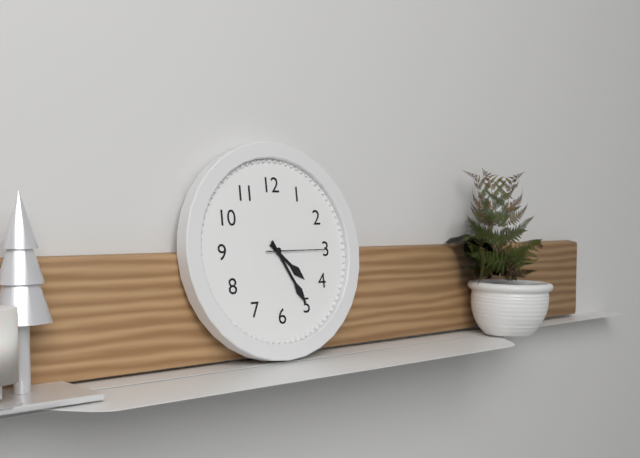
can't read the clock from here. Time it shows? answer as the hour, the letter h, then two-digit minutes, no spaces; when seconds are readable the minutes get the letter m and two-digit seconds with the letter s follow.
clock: 4h25m15s
